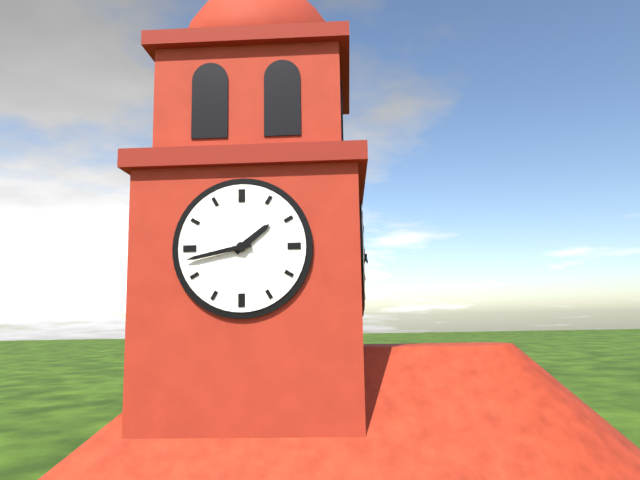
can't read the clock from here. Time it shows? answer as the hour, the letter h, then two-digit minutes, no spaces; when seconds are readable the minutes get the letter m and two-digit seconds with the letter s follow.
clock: 1h43
